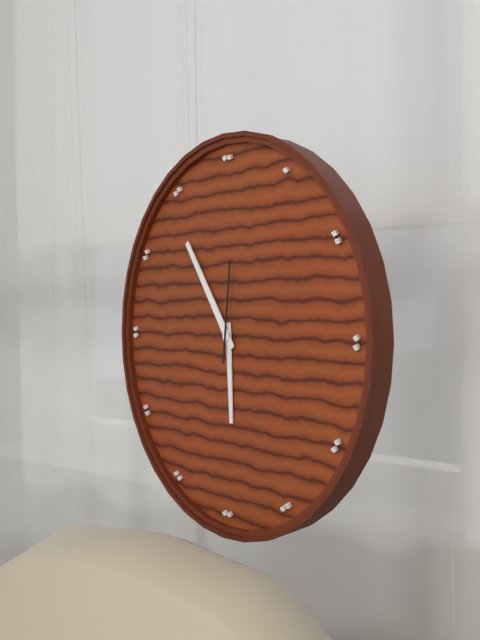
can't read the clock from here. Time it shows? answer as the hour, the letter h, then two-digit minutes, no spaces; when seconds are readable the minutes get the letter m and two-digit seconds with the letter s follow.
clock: 5h54m01s
